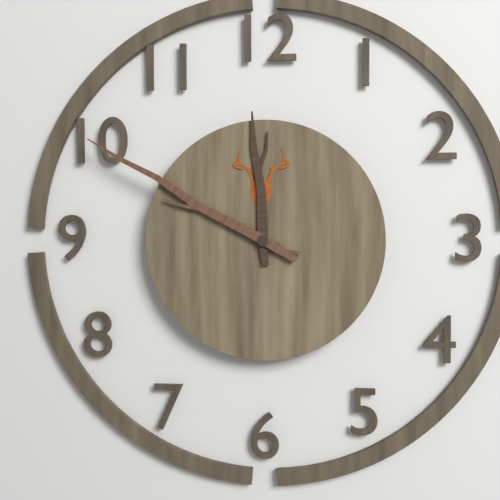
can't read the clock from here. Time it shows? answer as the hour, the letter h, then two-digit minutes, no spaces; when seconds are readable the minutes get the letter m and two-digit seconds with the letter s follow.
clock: 11h50
